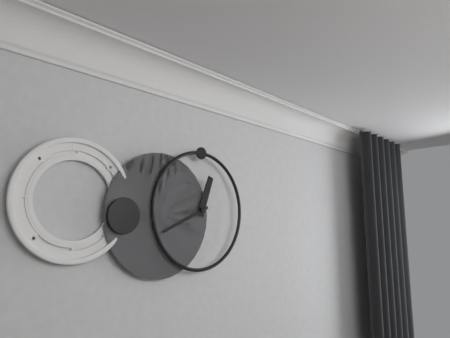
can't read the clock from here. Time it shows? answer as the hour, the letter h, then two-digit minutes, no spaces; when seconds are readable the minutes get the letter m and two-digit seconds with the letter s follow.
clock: 12h41
